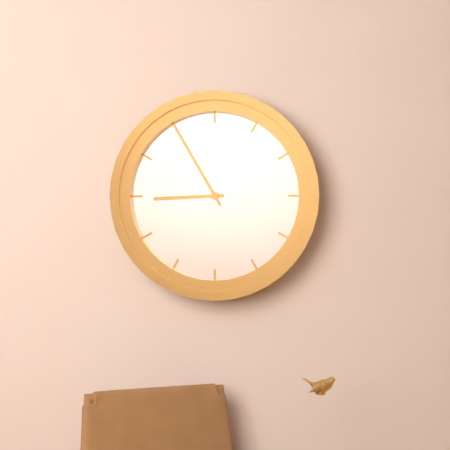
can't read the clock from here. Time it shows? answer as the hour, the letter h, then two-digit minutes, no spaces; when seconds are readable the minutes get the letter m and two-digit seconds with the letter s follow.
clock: 8h55
